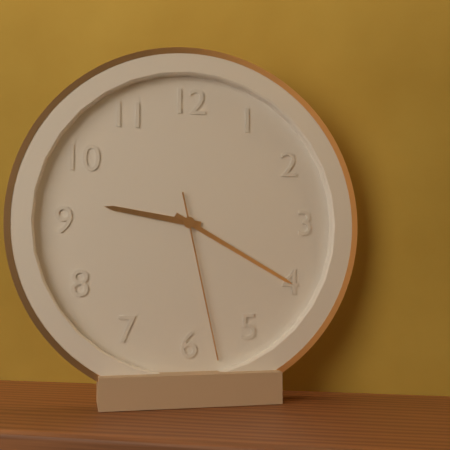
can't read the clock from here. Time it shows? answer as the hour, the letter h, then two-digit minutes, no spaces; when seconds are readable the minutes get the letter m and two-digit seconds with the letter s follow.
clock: 9h20m28s
